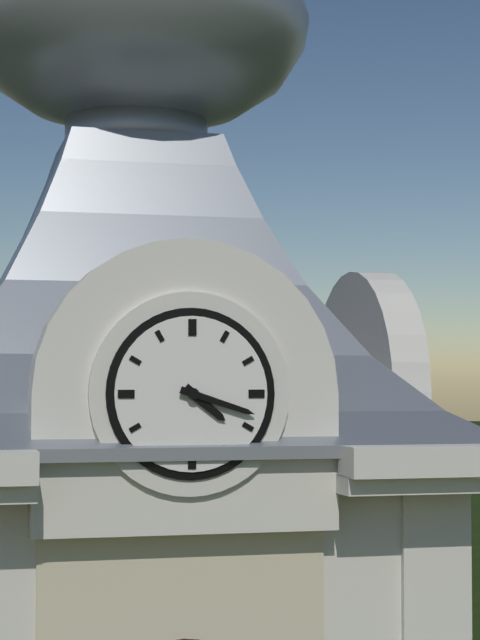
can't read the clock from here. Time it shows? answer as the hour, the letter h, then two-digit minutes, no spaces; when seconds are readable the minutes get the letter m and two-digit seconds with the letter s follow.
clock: 4h18
